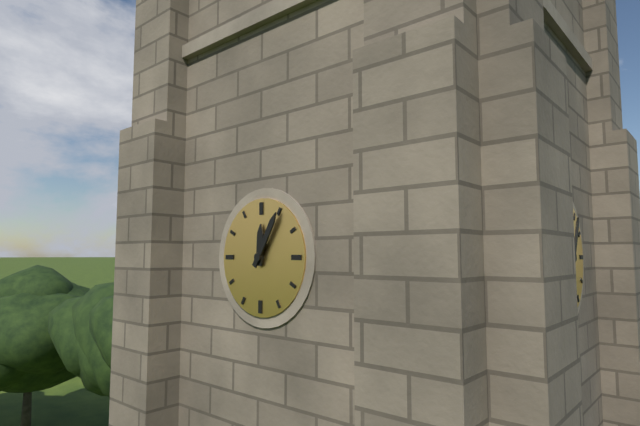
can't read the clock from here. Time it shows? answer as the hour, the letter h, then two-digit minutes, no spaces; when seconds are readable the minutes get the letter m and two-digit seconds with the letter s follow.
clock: 12h05
